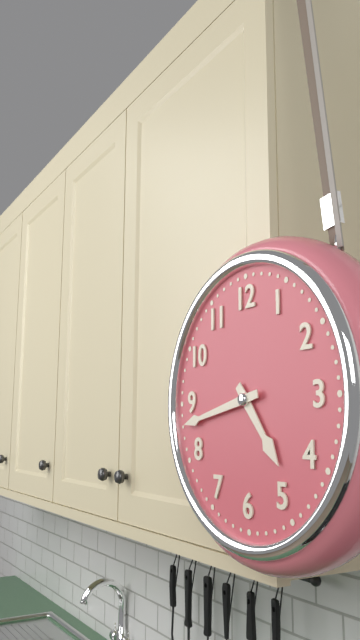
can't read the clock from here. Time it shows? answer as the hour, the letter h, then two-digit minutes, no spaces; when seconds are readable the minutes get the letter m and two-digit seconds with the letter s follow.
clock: 4h43
